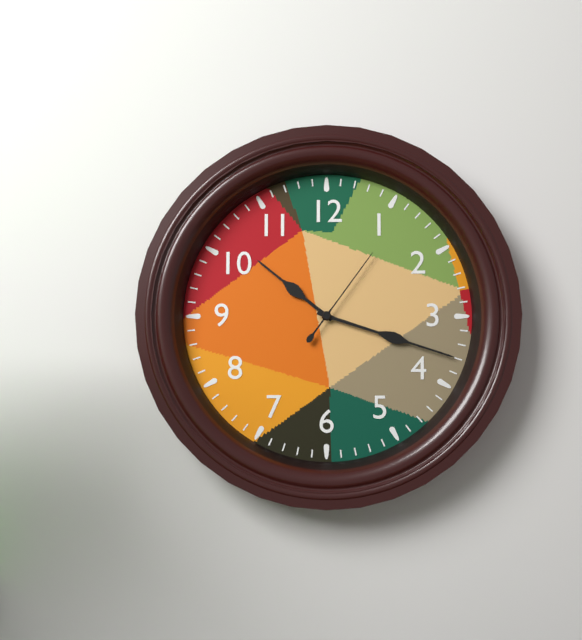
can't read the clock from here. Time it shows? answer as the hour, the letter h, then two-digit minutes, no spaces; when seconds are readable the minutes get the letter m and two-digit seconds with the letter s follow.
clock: 10h18m06s
